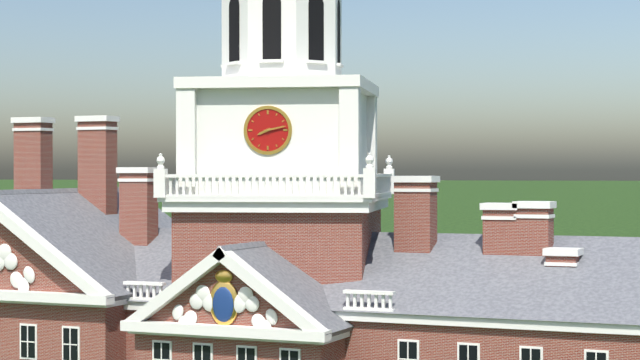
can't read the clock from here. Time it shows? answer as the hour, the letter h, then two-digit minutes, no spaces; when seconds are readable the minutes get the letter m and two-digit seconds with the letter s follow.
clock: 8h13
